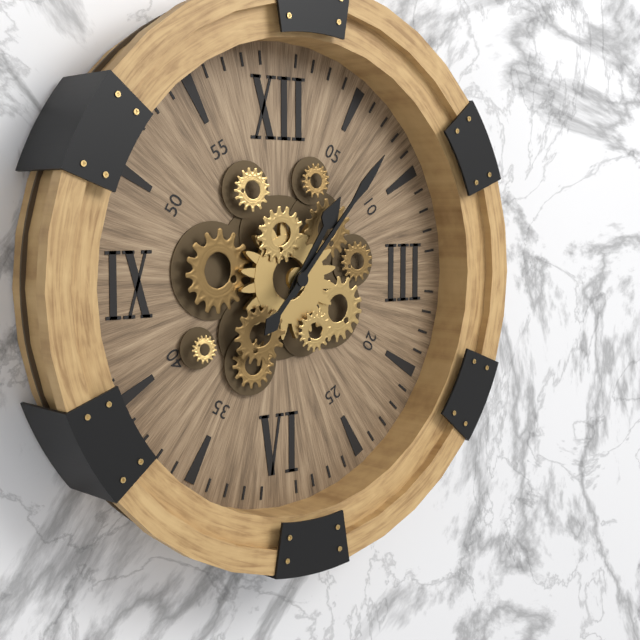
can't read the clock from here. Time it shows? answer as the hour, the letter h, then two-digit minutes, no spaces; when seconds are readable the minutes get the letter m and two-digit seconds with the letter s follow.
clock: 1h07
